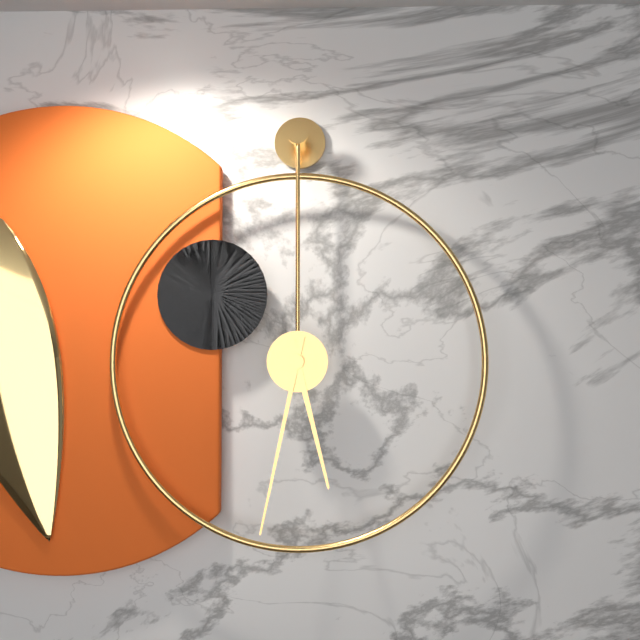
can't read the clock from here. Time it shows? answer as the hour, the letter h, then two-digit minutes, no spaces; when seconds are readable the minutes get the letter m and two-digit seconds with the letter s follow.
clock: 5h32
